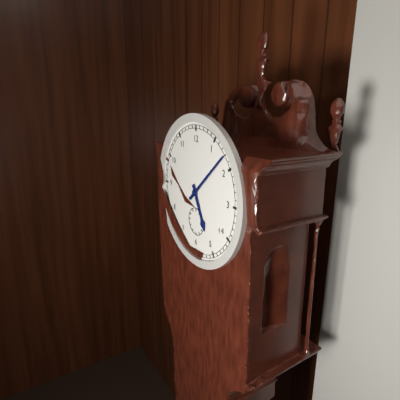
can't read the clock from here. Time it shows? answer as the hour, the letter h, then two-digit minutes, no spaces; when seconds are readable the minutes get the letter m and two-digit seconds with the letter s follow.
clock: 5h08
